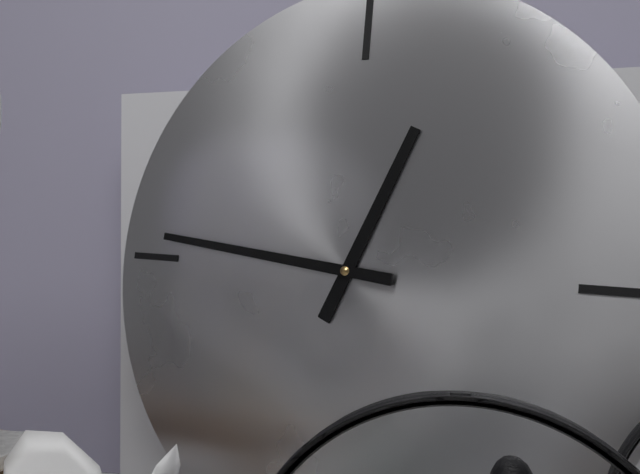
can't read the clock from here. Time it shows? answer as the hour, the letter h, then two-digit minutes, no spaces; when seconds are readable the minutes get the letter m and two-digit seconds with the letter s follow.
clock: 12h46
